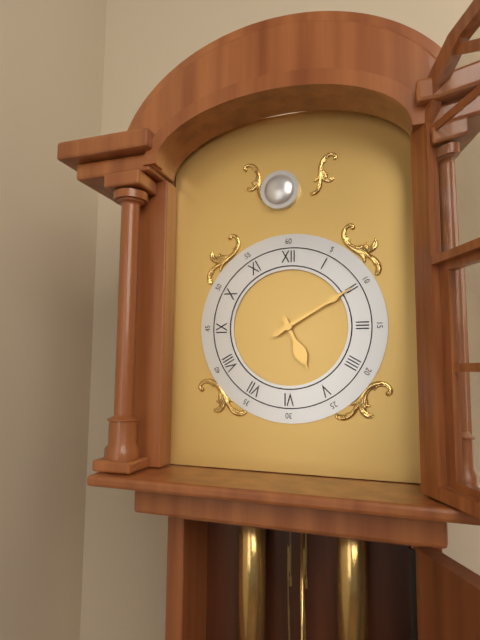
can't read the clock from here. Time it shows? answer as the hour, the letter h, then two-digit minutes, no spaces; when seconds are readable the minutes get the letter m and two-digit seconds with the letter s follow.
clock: 5h10
